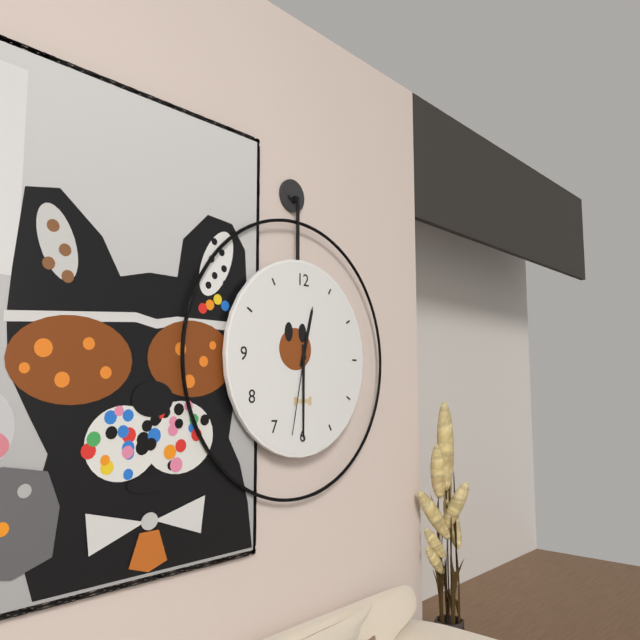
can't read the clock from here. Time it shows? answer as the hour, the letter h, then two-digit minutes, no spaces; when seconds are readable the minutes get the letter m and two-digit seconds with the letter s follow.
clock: 12h30m32s
